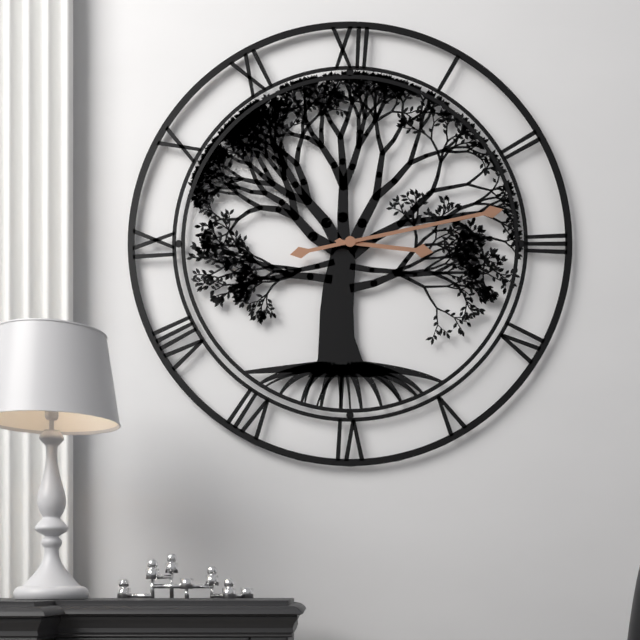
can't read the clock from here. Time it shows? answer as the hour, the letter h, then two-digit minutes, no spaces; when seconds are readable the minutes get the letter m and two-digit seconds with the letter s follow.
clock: 3h13
